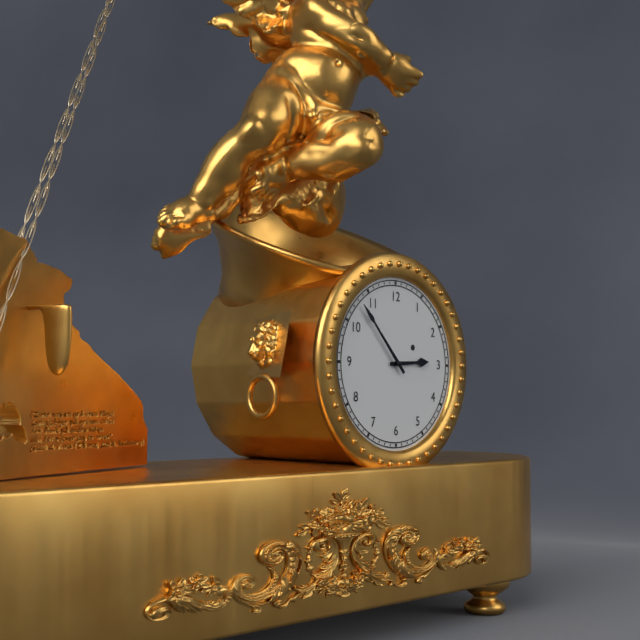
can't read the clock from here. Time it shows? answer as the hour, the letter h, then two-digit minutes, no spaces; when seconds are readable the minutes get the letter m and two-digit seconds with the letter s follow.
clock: 2h53
